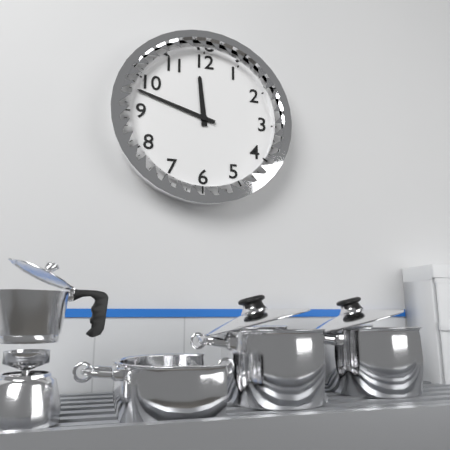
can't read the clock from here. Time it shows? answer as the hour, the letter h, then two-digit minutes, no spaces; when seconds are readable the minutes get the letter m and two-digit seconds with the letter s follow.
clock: 11h48
